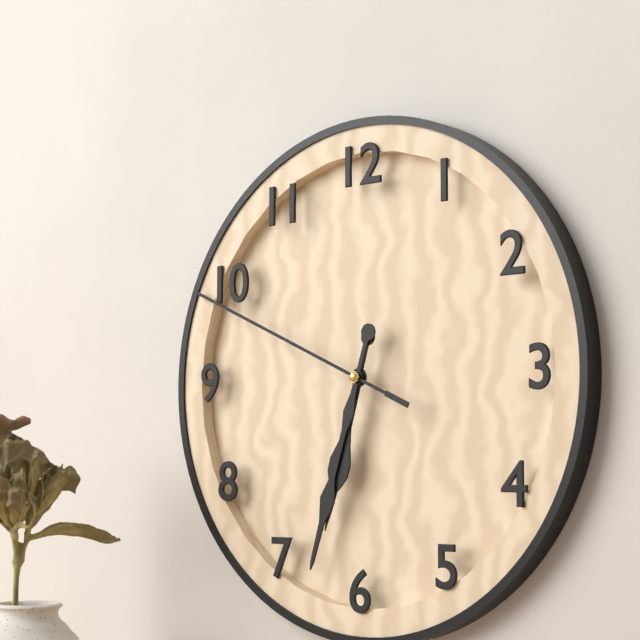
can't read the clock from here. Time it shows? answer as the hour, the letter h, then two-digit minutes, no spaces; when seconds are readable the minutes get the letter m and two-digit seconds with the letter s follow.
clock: 6h33m49s
